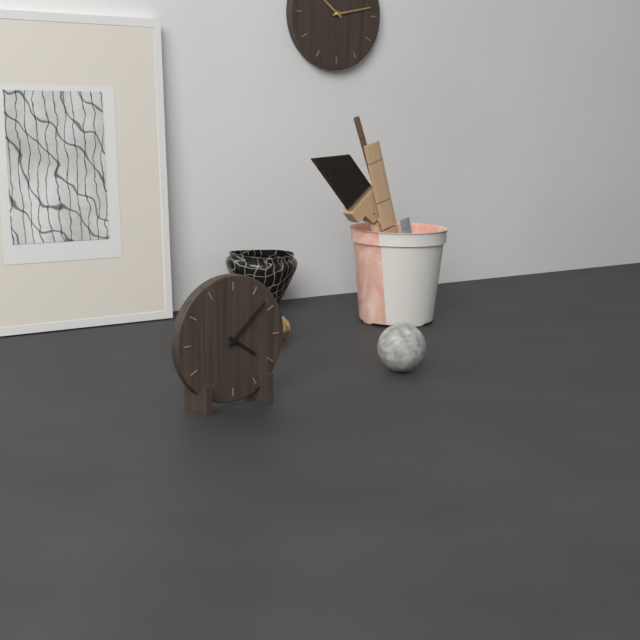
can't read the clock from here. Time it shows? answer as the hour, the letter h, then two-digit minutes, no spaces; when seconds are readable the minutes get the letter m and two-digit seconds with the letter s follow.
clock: 4h08
